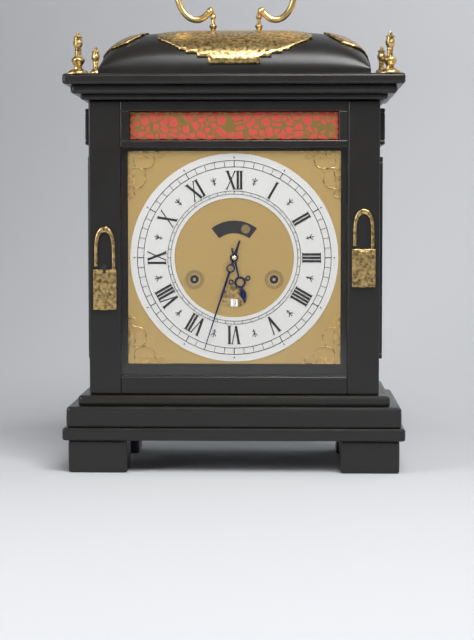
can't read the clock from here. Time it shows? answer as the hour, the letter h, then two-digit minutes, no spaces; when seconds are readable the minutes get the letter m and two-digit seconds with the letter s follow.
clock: 5h33
